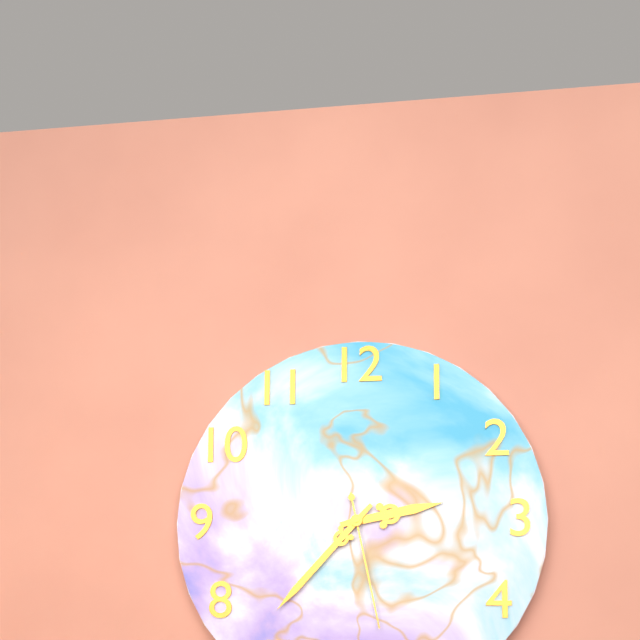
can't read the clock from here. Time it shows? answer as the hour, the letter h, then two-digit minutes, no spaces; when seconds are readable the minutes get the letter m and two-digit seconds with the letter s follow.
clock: 2h37m28s
